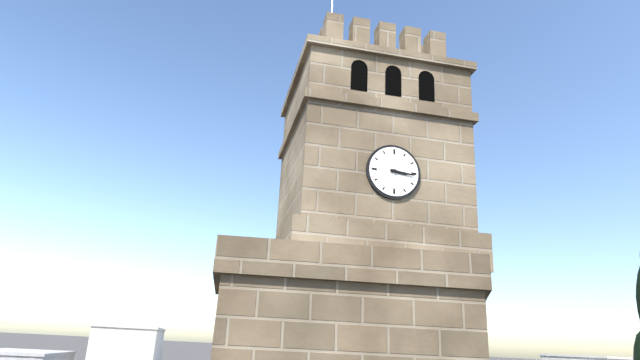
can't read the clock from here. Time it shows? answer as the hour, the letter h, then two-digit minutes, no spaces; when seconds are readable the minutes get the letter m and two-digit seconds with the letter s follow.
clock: 3h16
